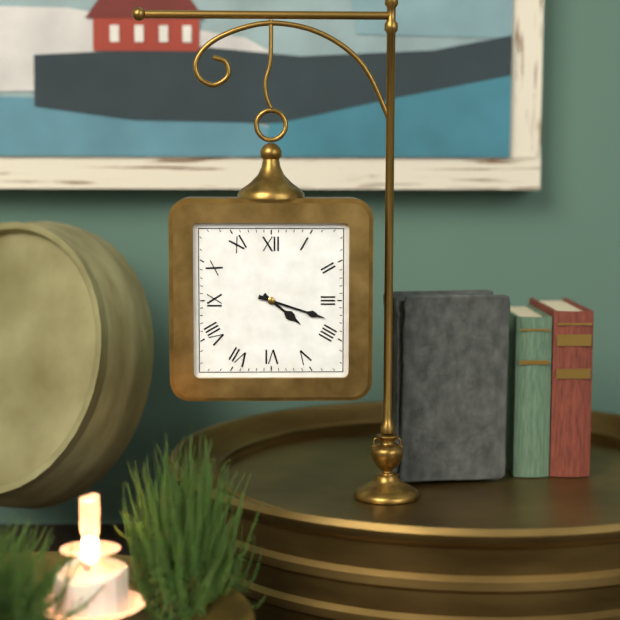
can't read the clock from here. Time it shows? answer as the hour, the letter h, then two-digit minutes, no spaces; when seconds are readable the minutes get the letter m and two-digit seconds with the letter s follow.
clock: 4h18
